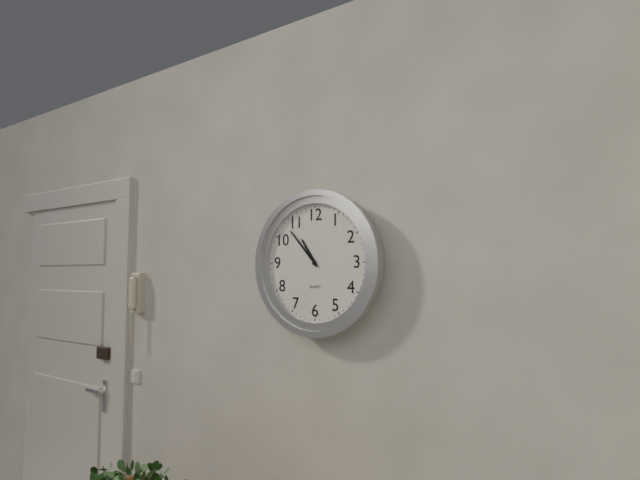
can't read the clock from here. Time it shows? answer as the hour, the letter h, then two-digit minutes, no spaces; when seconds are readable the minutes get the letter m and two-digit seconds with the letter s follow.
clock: 10h53
